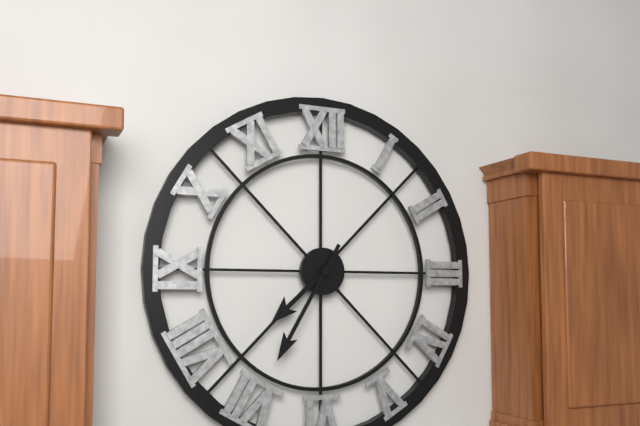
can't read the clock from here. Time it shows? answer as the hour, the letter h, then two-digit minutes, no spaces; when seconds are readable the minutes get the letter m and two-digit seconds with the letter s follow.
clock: 7h35
